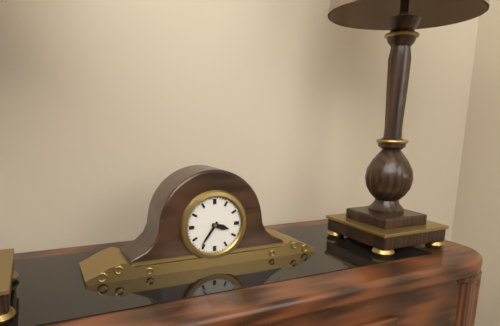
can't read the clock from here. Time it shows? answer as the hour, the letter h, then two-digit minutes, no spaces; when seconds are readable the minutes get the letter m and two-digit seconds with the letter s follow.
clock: 3h36
